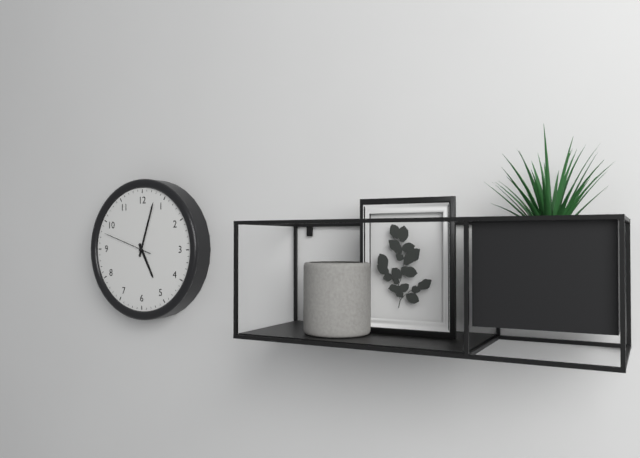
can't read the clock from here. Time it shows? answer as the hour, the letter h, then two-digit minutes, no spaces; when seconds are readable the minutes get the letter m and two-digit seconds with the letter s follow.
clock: 5h03m48s
